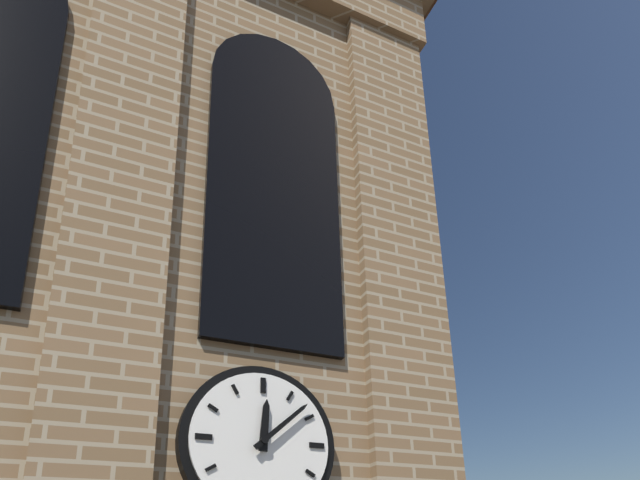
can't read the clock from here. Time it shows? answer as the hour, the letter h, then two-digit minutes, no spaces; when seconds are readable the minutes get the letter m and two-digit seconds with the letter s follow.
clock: 12h08
